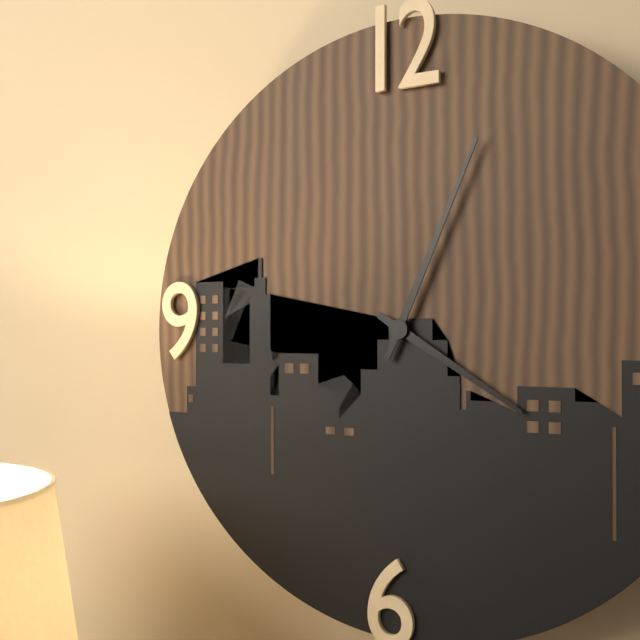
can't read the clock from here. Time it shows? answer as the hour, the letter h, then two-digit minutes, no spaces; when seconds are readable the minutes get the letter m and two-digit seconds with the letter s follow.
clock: 4h04
